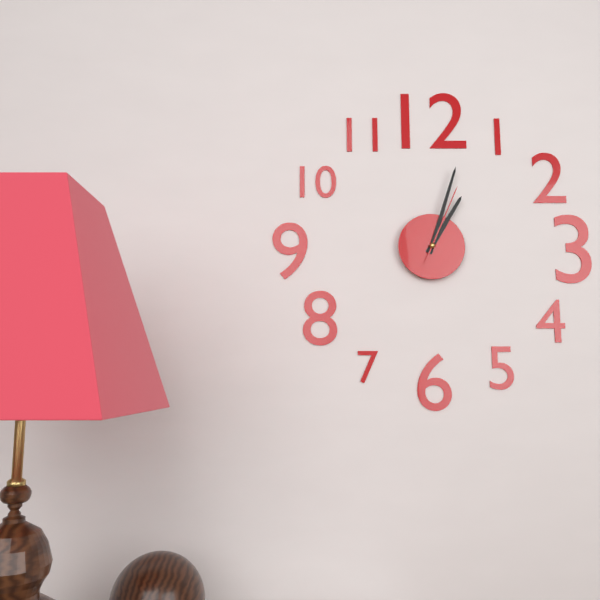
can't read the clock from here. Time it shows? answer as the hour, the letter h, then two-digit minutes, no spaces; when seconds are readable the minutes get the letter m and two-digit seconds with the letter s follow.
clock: 1h03m04s
